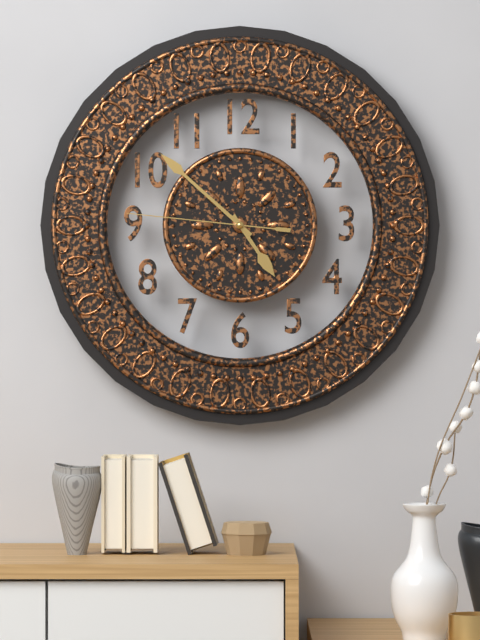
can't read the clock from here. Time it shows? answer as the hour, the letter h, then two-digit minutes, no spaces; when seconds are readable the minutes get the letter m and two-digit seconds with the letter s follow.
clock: 4h52m46s
